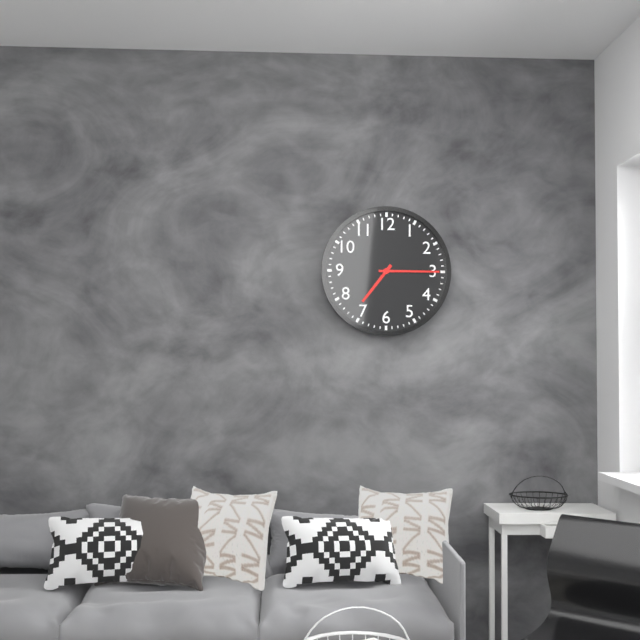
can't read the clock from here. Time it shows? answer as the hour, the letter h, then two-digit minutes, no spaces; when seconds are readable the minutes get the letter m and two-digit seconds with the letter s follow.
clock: 7h15
